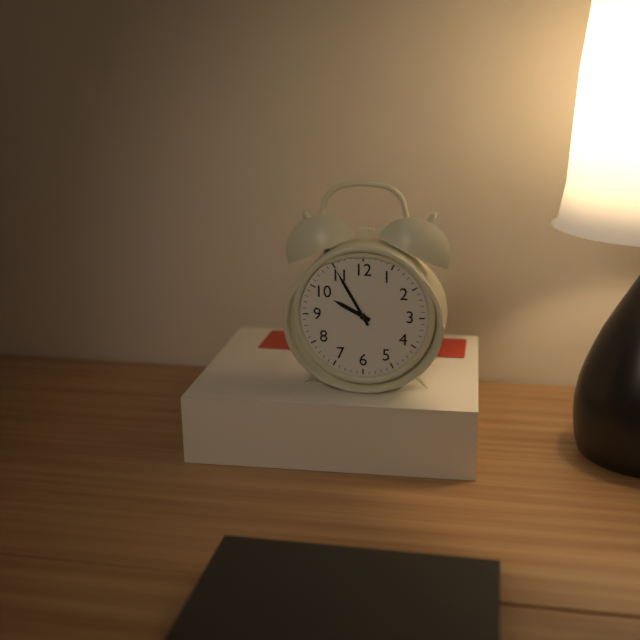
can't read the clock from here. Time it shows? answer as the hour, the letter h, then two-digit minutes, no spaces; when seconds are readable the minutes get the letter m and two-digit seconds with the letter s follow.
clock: 9h55
